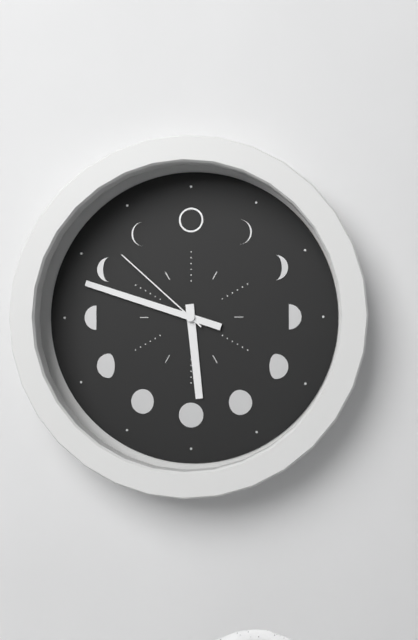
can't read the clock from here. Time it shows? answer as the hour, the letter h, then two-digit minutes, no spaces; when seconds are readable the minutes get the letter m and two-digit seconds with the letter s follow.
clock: 5h48m52s
